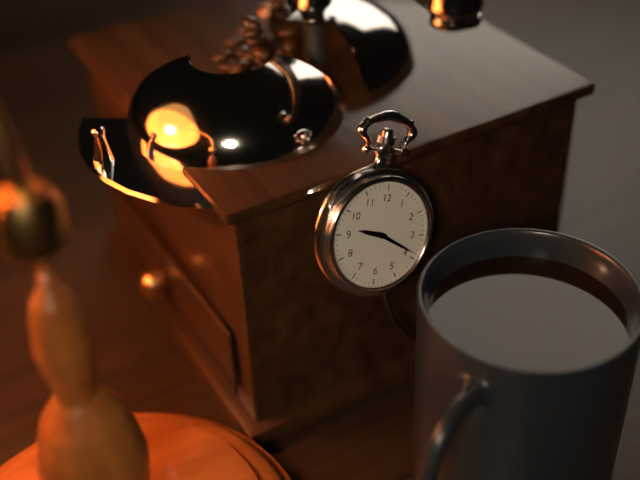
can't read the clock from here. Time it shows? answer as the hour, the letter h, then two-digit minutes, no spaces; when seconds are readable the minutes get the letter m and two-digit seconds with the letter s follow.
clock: 9h19
